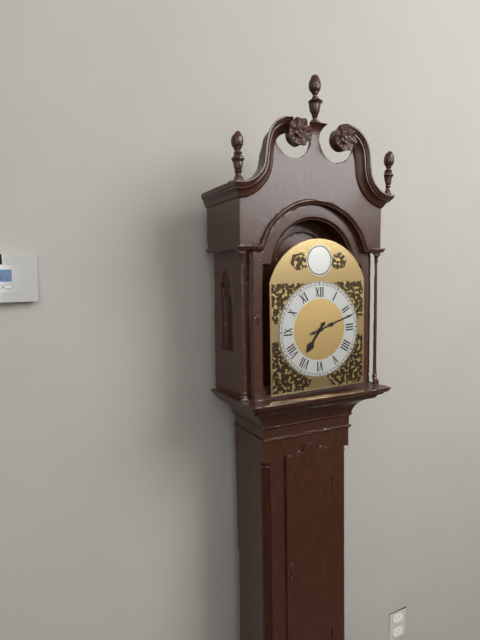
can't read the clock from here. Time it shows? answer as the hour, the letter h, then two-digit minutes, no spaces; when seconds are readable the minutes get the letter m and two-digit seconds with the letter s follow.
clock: 7h12
